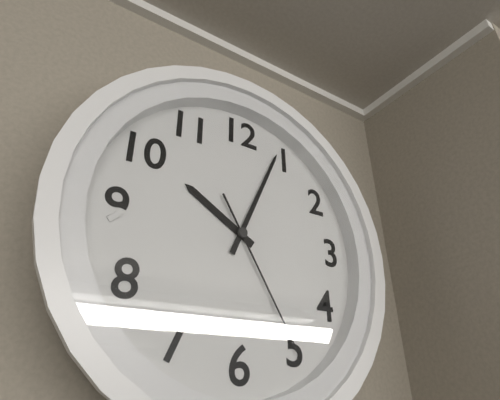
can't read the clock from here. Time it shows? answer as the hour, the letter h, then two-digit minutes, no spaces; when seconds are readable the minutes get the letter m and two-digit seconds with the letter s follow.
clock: 10h04m25s
